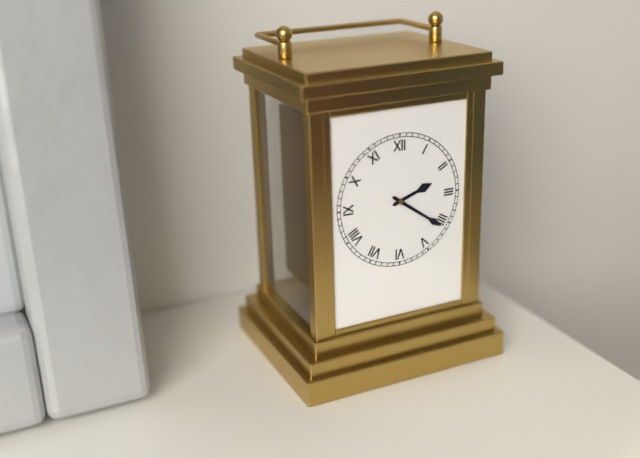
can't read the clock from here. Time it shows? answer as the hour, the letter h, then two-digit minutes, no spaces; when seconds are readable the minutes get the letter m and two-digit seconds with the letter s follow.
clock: 2h21
